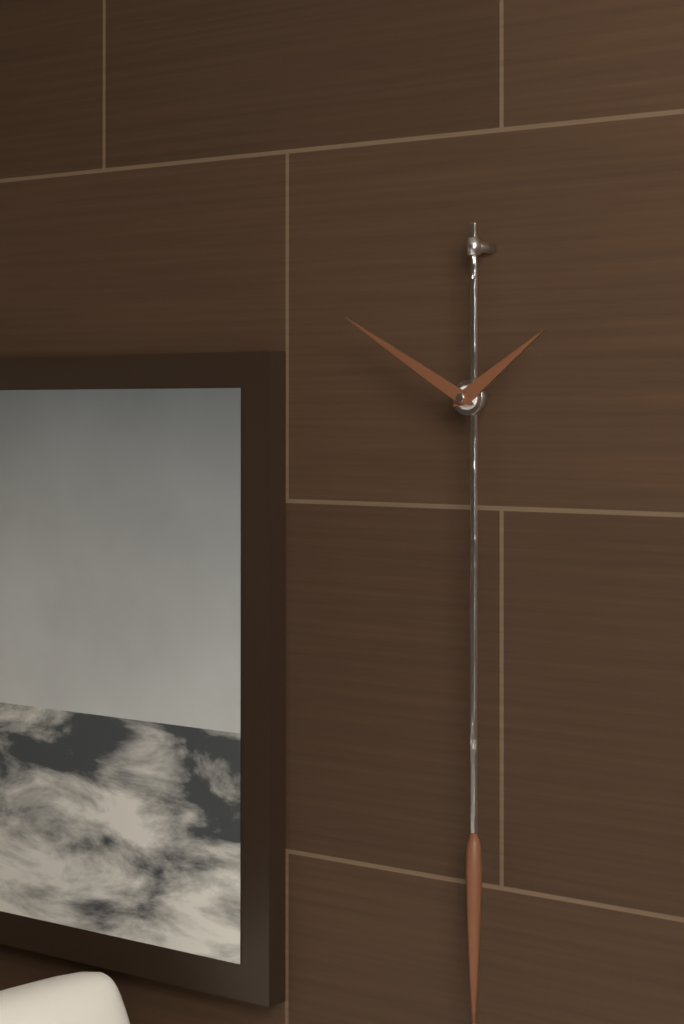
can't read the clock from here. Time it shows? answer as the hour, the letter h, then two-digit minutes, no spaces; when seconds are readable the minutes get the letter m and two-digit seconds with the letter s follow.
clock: 1h50
